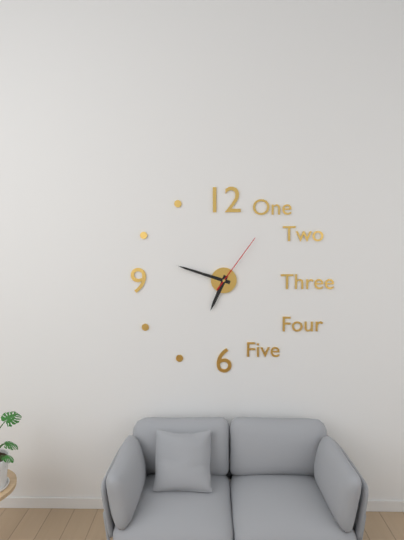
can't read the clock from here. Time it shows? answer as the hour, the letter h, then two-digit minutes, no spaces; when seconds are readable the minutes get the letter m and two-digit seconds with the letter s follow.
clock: 6h48m06s
